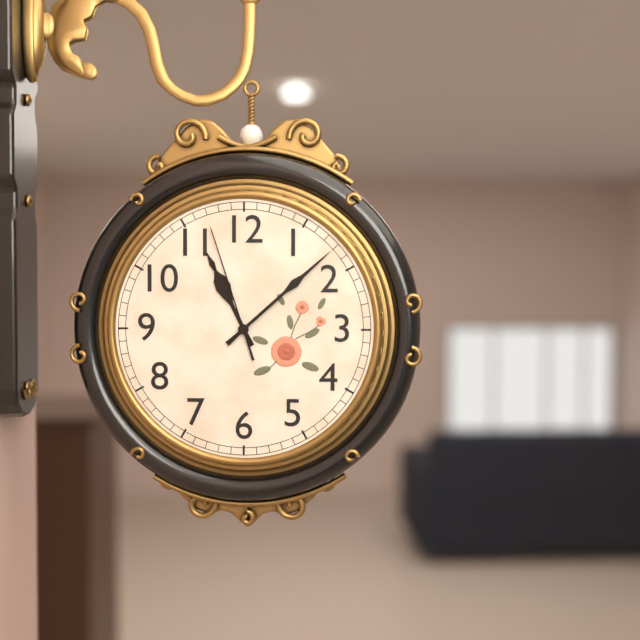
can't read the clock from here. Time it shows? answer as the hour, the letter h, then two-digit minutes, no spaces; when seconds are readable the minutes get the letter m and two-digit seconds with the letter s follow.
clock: 11h08m57s
